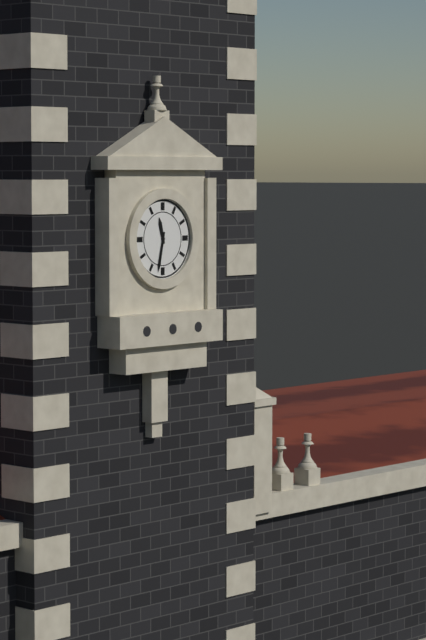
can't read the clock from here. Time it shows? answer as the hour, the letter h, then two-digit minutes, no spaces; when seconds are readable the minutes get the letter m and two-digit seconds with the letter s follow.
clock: 11h32
